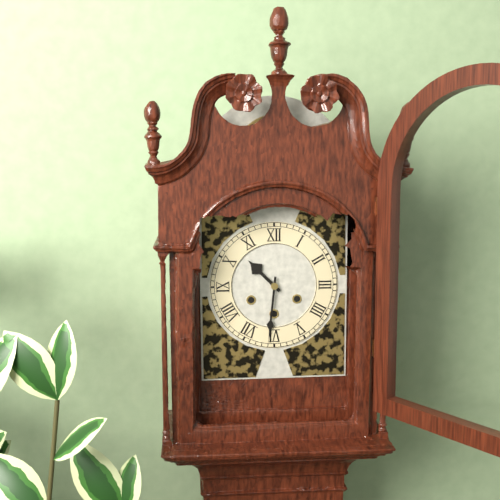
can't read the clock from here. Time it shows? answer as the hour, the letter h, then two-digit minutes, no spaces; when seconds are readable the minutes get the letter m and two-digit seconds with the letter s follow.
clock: 10h31
